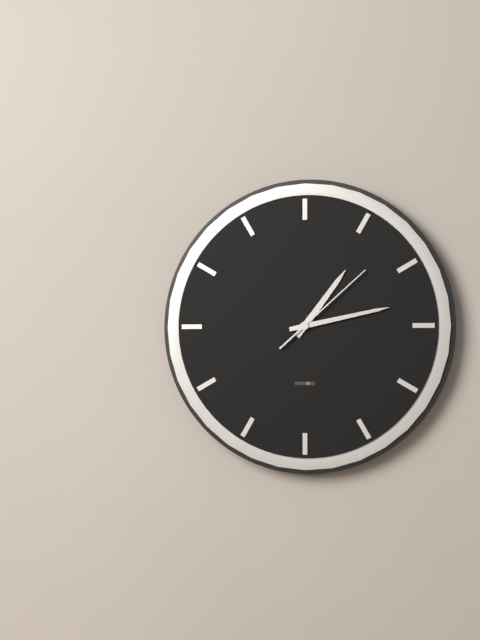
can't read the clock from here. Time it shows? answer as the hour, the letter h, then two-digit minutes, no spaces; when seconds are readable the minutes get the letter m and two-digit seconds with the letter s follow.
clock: 1h13m08s
